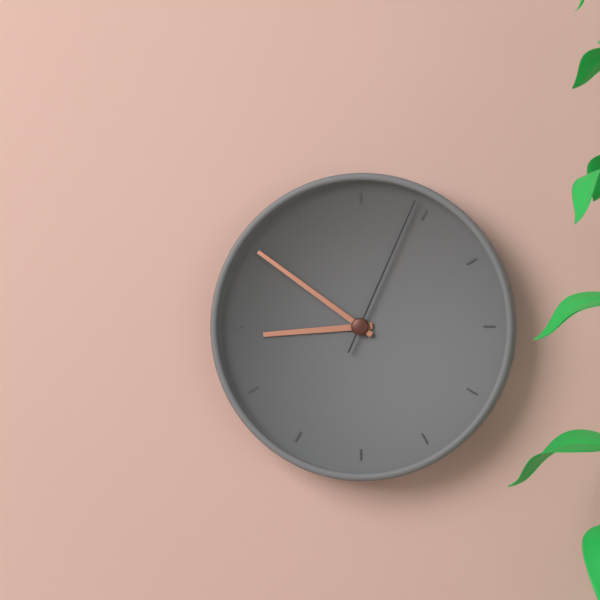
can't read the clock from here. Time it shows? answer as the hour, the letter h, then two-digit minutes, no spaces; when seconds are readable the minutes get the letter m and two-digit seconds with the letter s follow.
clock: 8h51m04s
